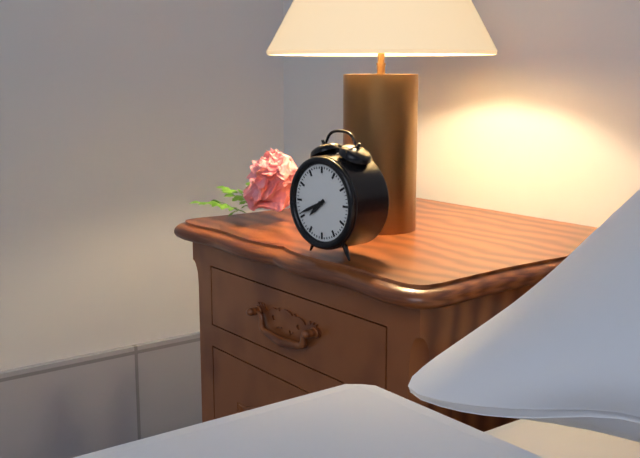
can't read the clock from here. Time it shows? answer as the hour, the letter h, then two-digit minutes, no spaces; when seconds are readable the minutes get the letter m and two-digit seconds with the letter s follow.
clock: 7h41
